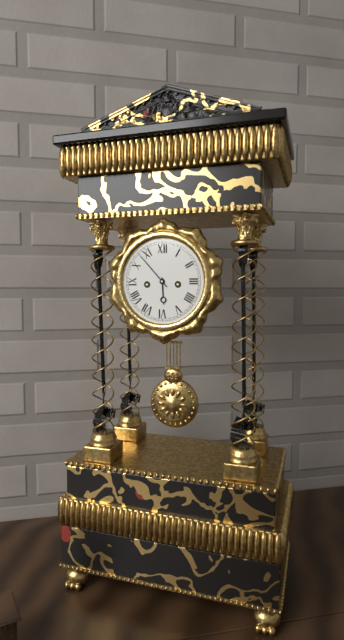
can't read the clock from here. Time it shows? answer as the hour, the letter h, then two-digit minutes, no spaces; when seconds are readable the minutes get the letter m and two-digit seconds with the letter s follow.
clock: 5h53
